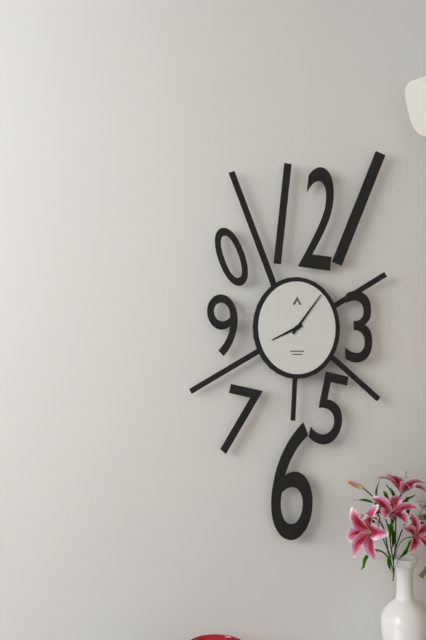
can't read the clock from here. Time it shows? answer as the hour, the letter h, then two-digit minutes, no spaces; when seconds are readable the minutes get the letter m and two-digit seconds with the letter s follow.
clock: 8h06
